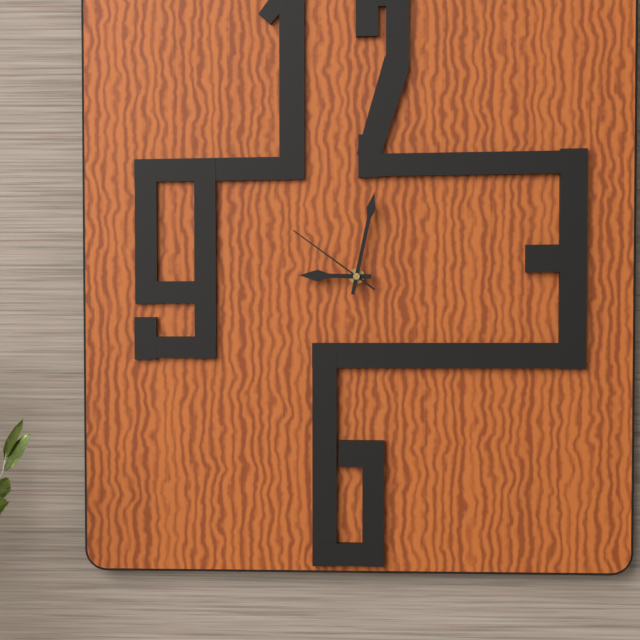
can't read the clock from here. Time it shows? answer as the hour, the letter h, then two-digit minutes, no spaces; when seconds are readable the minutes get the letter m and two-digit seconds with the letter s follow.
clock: 9h02m51s
